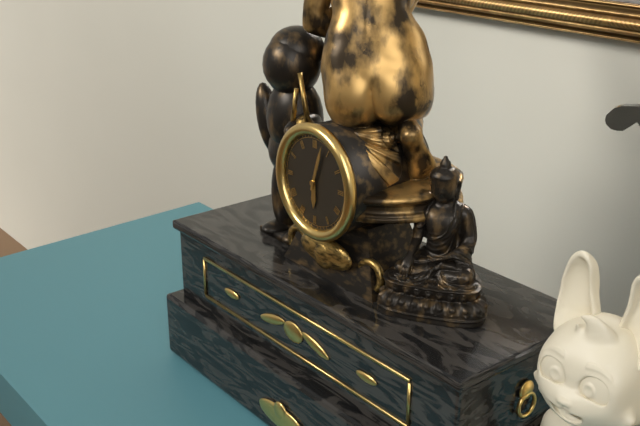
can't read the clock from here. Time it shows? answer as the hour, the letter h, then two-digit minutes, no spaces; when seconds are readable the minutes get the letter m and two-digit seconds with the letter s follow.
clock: 6h03
